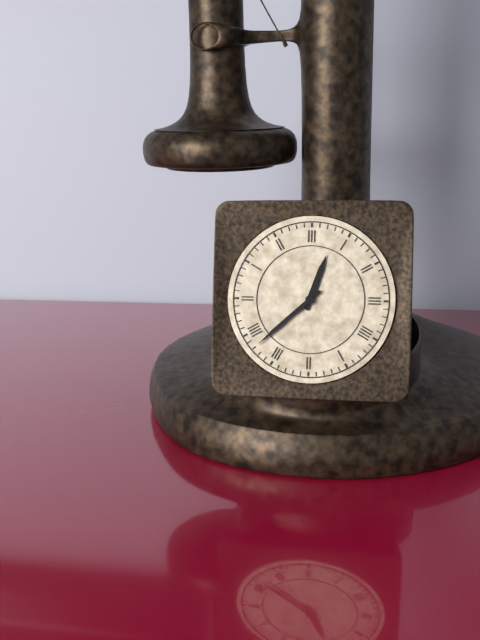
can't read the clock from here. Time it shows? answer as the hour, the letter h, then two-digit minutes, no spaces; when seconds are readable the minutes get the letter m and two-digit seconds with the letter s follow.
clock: 12h38
